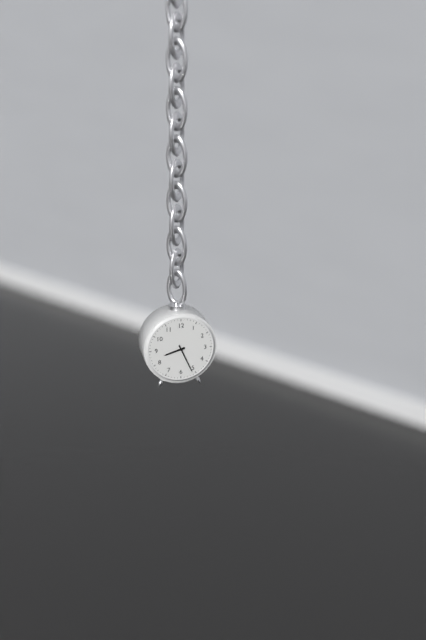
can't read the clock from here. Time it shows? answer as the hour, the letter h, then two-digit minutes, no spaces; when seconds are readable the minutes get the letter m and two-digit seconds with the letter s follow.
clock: 8h26
